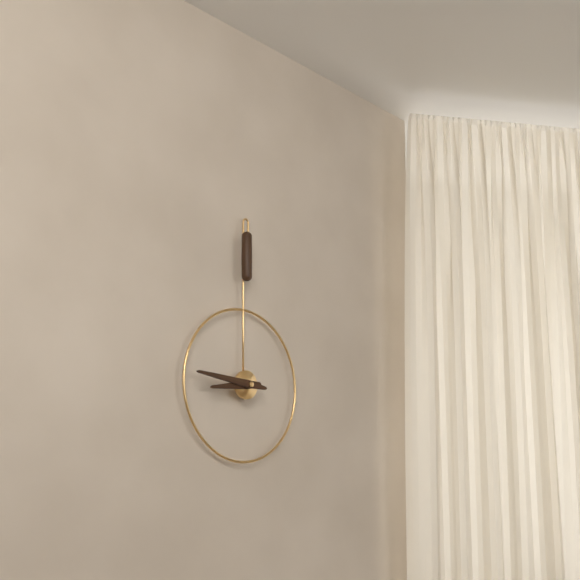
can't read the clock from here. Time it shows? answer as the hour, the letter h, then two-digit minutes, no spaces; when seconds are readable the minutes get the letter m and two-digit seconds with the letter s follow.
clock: 8h46
